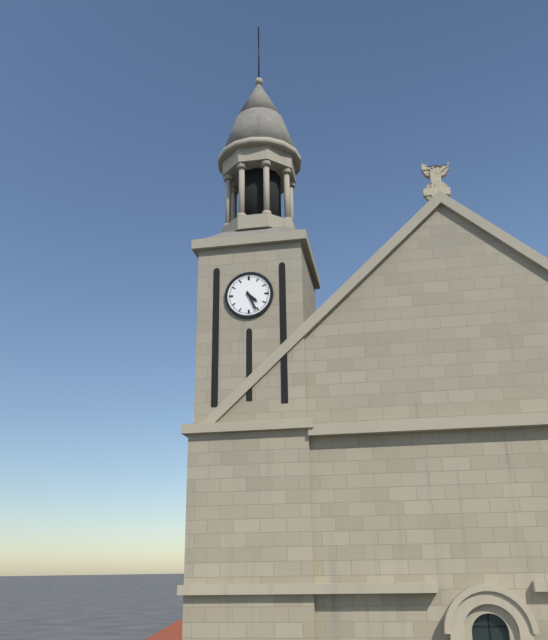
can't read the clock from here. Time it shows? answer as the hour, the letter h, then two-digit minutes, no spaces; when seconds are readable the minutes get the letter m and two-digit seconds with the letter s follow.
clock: 4h26
